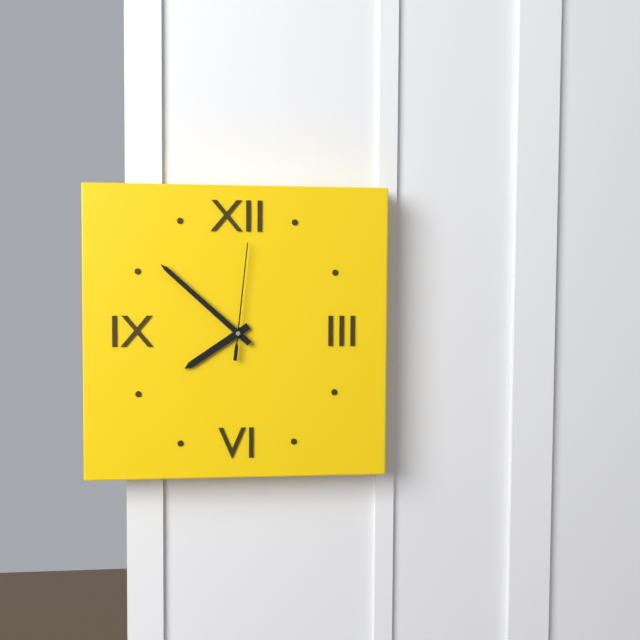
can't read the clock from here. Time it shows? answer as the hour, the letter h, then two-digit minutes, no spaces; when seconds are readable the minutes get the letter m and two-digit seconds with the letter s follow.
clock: 7h52m01s
